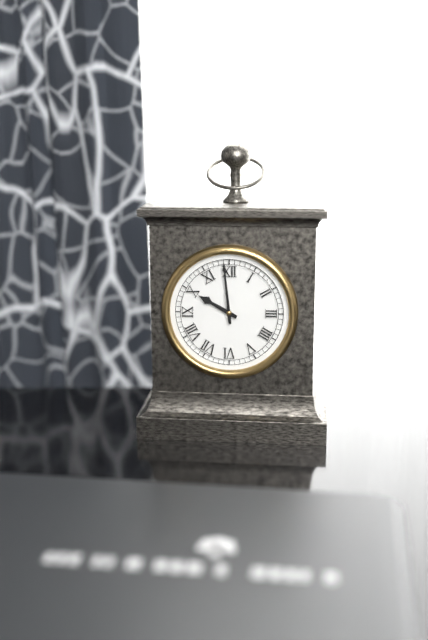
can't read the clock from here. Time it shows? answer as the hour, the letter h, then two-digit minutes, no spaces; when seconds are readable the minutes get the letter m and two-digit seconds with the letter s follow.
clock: 9h59
